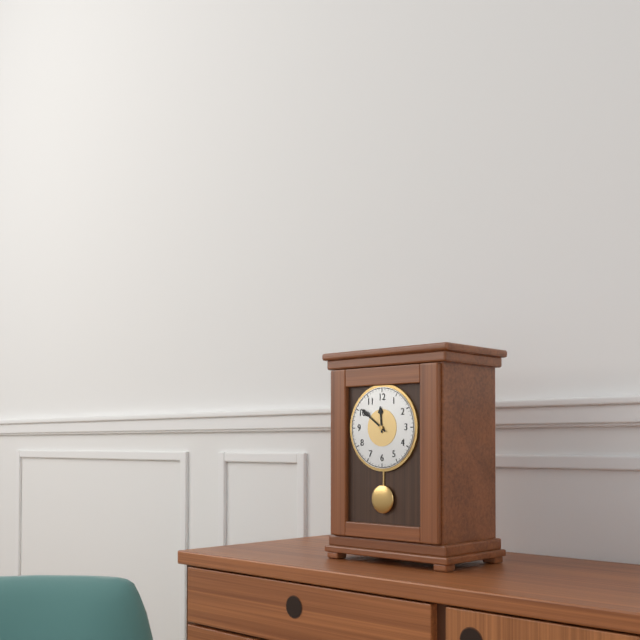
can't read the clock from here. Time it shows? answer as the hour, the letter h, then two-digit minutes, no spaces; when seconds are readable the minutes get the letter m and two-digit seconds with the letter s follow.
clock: 11h51
